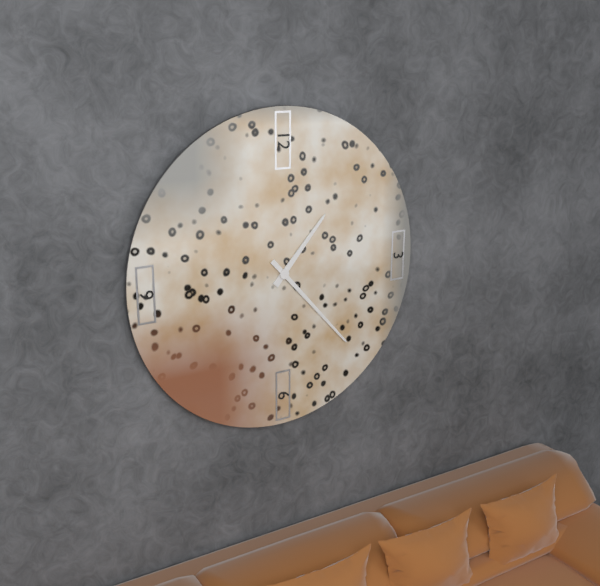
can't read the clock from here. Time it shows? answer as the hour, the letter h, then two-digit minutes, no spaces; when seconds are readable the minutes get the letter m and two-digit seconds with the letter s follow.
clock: 1h23
